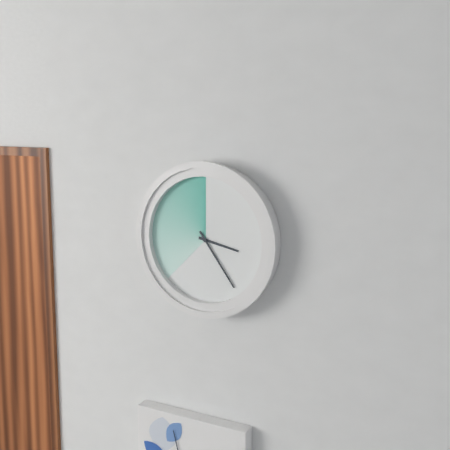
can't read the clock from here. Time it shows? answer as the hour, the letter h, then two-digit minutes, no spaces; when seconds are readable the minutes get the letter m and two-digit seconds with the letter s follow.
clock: 3h24
